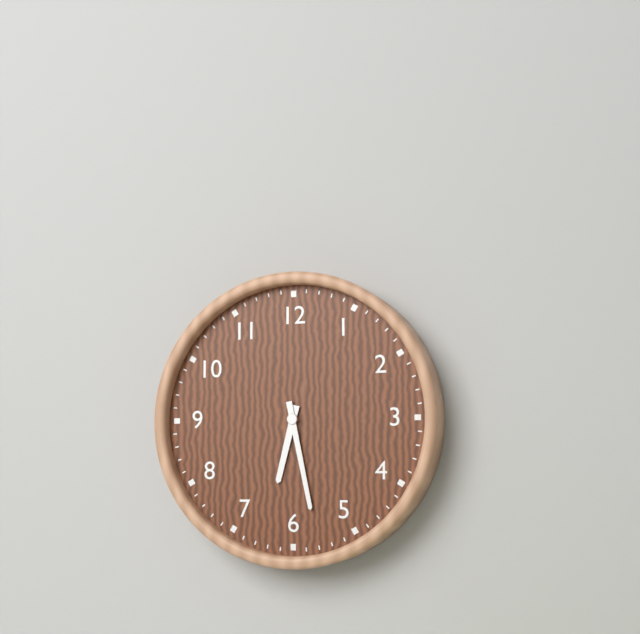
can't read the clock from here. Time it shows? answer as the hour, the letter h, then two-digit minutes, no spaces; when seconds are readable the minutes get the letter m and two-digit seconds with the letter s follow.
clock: 6h28
